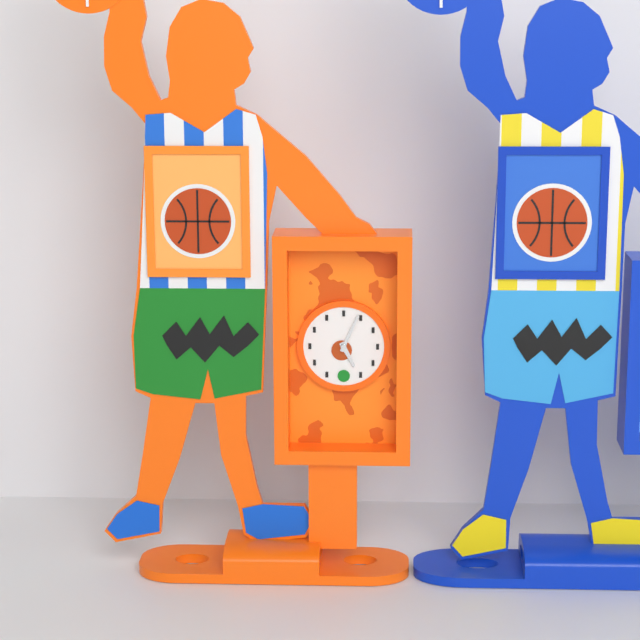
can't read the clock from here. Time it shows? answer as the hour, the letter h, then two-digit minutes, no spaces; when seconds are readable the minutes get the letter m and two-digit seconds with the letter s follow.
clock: 5h04
